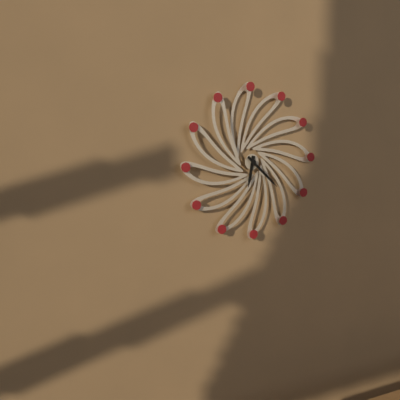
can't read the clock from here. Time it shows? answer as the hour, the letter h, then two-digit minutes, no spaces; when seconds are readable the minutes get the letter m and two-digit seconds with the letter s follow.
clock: 6h22
